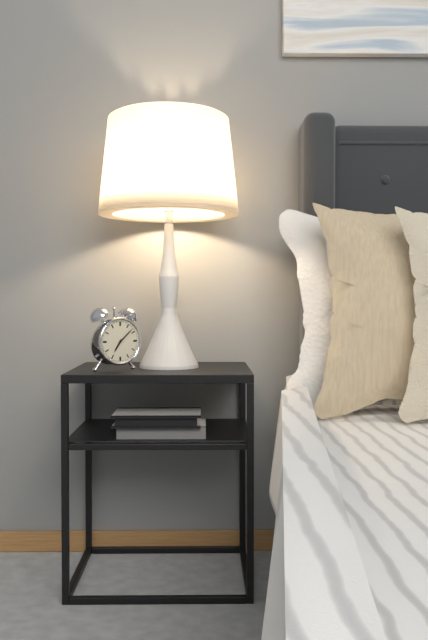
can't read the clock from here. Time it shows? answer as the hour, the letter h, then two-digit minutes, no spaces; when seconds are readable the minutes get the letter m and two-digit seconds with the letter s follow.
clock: 7h08
